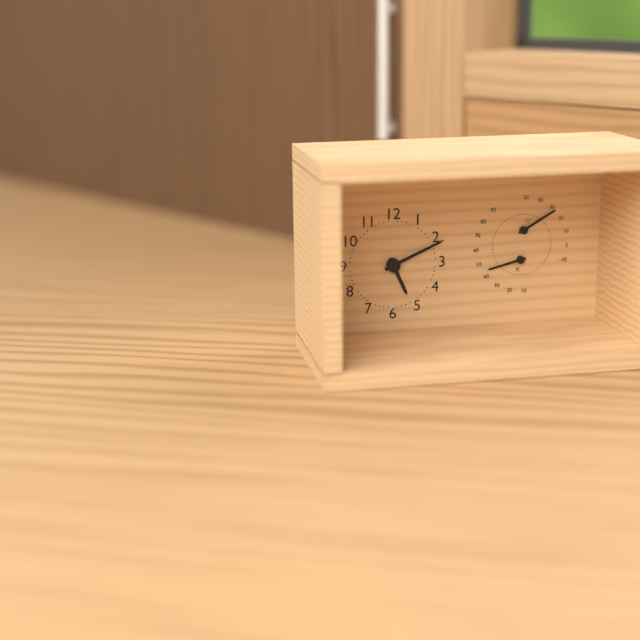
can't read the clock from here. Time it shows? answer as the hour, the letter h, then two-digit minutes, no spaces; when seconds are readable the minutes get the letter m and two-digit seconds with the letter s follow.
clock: 5h11
